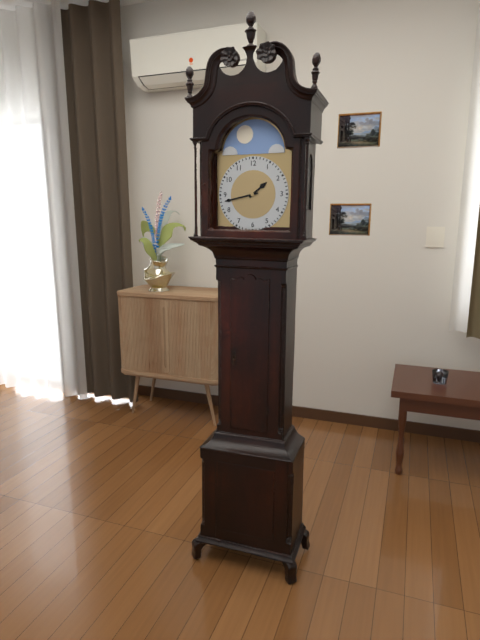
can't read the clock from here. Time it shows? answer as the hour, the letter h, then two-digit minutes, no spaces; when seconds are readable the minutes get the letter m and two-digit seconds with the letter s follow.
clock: 1h43
